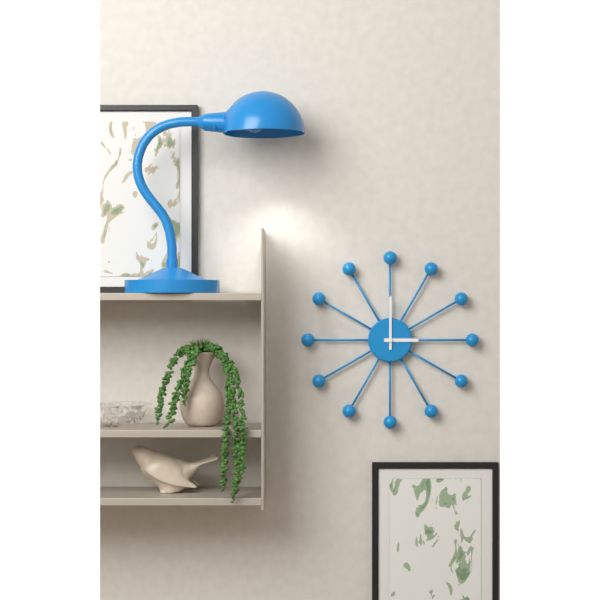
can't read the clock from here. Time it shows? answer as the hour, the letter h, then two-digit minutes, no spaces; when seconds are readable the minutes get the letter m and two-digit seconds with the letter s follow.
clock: 3h00
